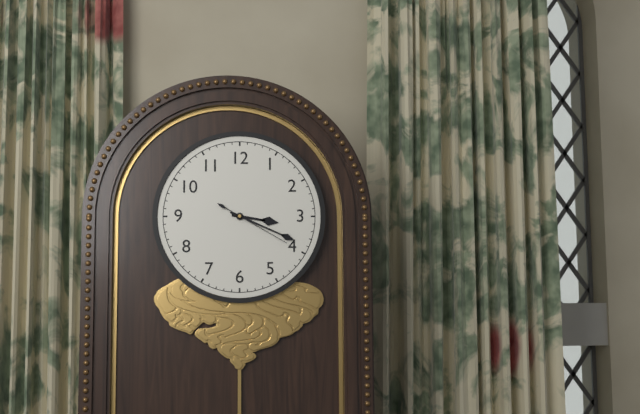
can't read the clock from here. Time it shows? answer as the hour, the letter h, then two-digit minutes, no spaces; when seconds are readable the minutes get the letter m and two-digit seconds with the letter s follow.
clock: 3h19m20s
